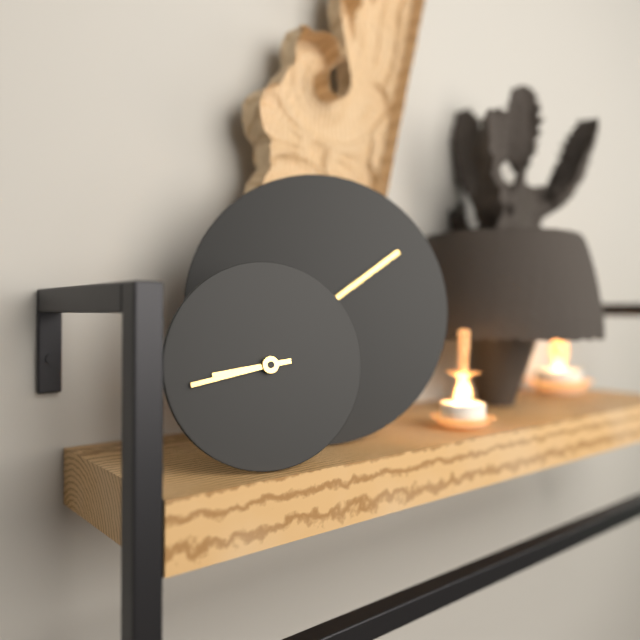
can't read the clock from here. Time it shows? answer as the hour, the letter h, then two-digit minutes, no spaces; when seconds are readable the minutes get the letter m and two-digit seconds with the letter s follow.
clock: 8h43
